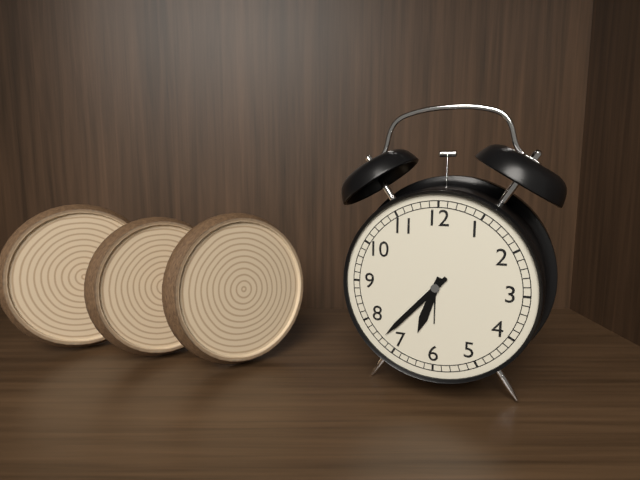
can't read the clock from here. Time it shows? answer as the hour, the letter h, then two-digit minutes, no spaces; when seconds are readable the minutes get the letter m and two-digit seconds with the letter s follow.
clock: 6h37
